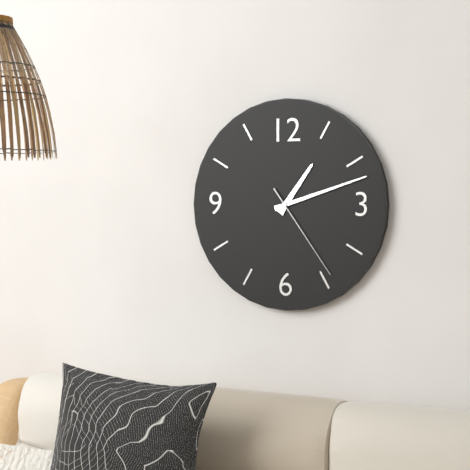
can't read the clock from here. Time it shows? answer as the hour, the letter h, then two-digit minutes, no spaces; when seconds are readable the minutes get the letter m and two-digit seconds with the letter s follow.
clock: 1h12m24s
